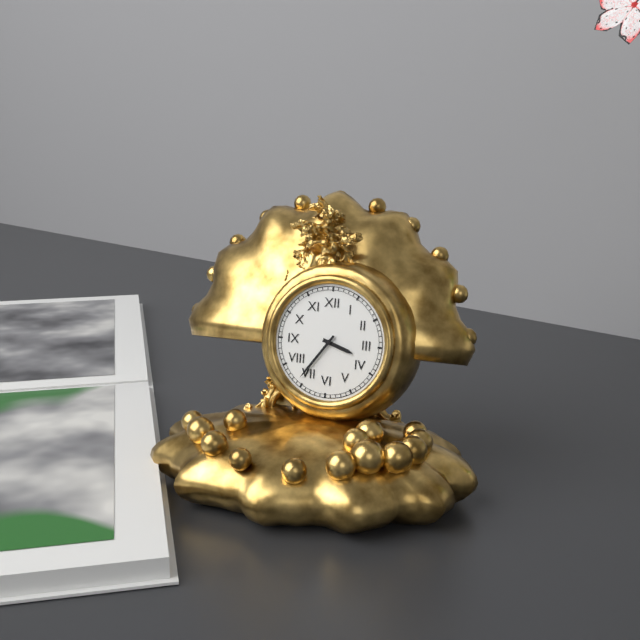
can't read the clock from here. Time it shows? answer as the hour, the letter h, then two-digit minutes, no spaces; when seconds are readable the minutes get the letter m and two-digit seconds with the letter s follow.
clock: 3h36
